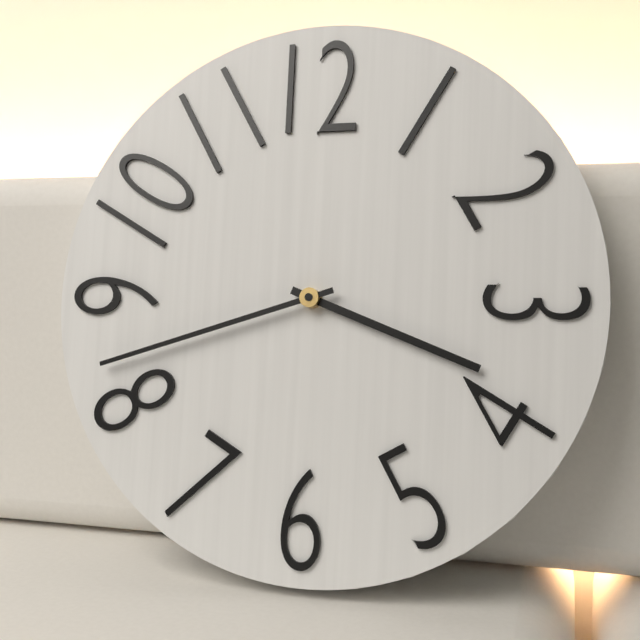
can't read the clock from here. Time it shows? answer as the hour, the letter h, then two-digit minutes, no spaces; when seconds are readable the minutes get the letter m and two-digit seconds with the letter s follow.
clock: 3h42
